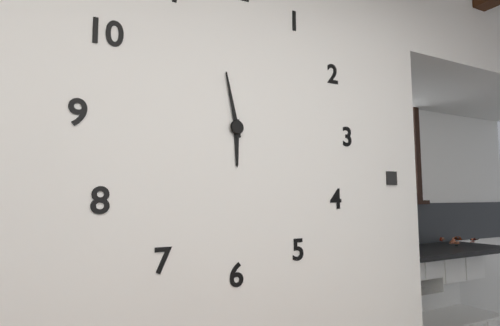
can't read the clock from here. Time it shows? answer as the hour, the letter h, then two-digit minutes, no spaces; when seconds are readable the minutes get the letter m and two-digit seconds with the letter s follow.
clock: 5h58
